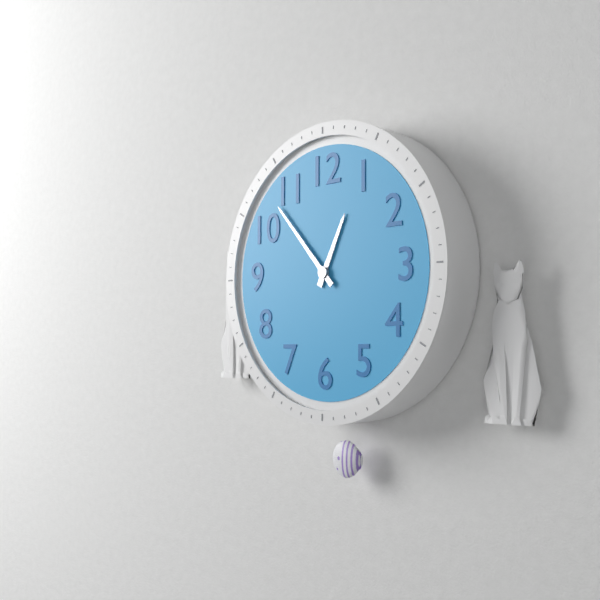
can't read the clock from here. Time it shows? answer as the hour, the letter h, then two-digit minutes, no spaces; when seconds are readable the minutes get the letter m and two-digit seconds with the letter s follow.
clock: 12h53
